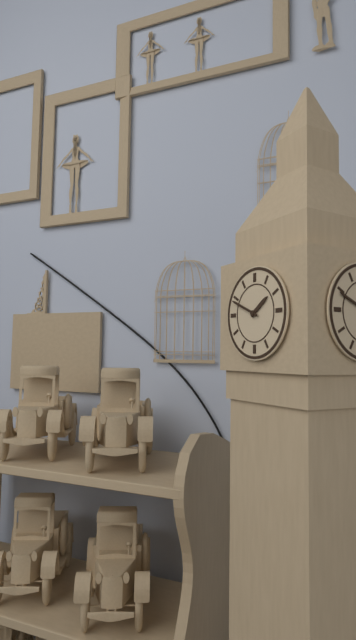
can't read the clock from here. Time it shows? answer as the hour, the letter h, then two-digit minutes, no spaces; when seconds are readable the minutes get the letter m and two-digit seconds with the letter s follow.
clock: 1h49
